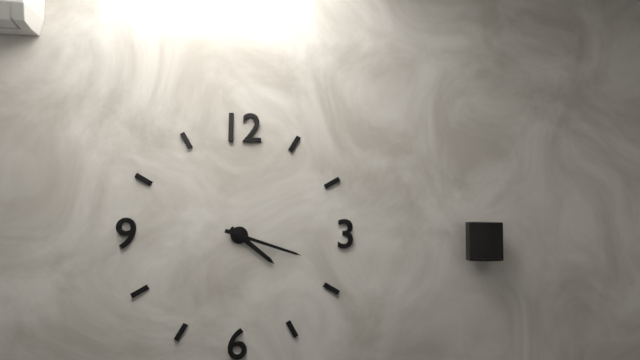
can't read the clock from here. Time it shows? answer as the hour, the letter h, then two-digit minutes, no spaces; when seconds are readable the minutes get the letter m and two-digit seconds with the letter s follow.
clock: 4h18
